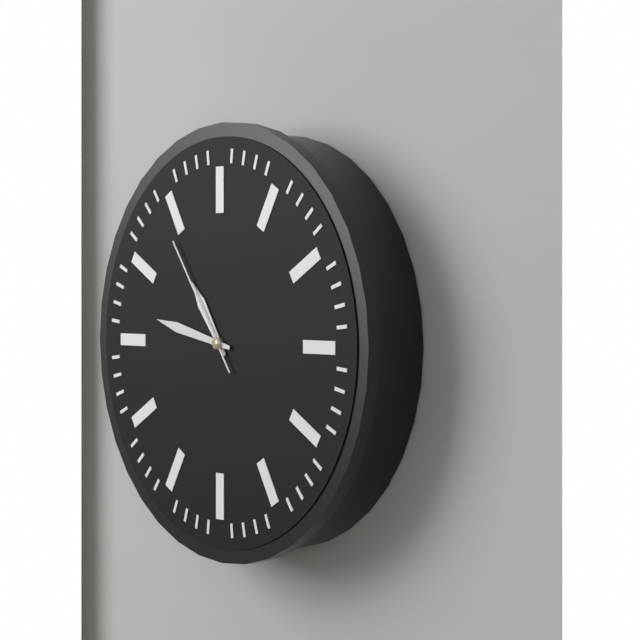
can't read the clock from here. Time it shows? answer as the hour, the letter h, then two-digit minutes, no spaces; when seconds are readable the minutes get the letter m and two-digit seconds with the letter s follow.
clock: 10h47m54s
